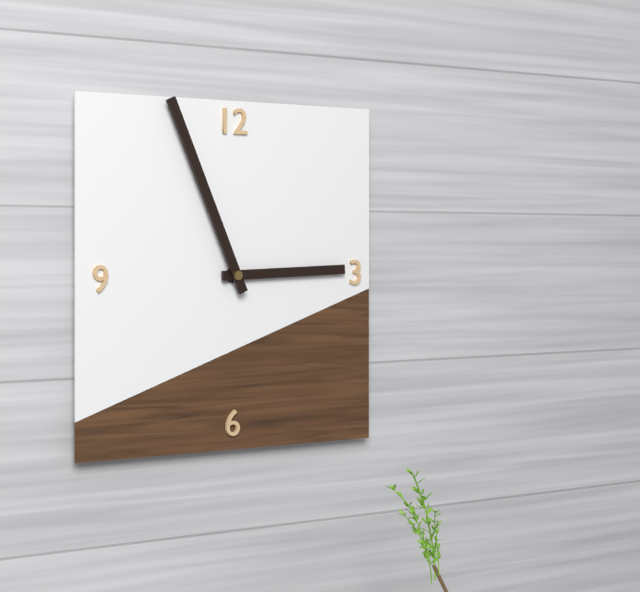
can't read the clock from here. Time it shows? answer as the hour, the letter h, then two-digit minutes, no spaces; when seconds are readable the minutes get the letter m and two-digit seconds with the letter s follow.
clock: 2h56
